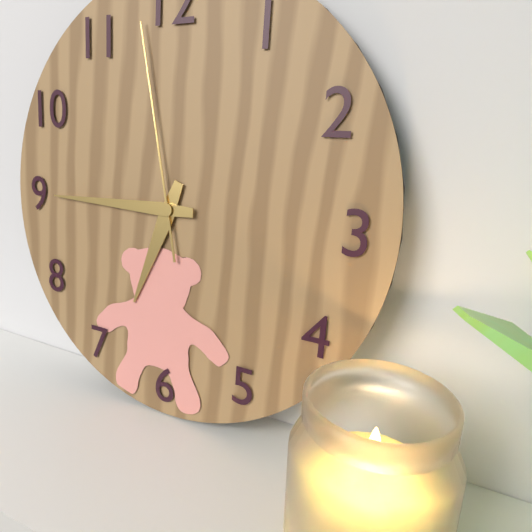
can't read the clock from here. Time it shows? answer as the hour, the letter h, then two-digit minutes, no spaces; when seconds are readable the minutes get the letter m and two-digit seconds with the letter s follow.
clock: 6h45m58s
